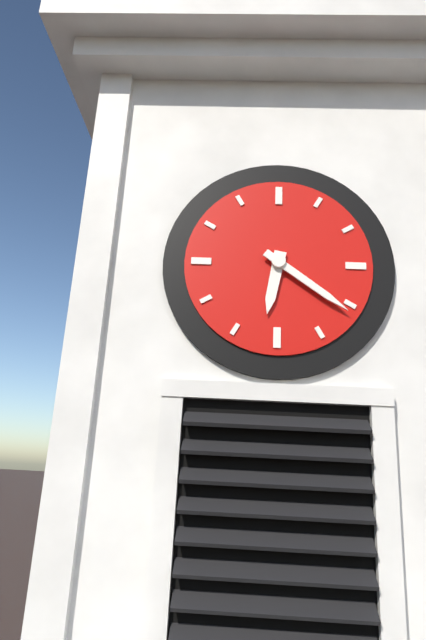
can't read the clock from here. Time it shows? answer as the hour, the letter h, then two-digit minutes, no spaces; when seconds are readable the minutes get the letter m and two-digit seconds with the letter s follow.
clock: 6h21
